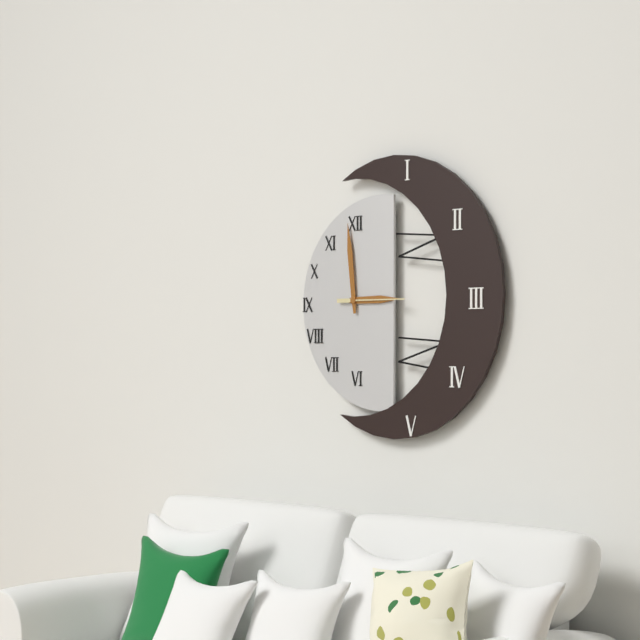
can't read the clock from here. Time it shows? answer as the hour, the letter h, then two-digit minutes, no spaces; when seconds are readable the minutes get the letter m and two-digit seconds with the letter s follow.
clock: 2h59m15s
